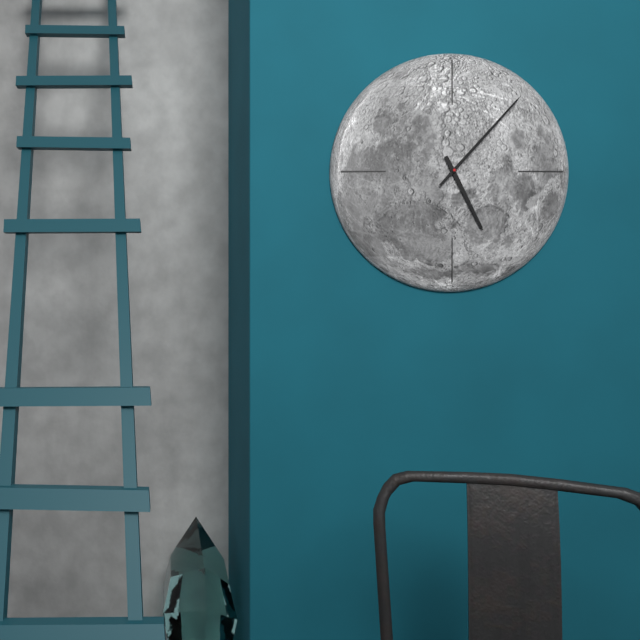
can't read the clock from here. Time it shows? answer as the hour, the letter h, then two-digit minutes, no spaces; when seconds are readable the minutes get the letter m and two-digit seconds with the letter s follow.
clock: 5h07
